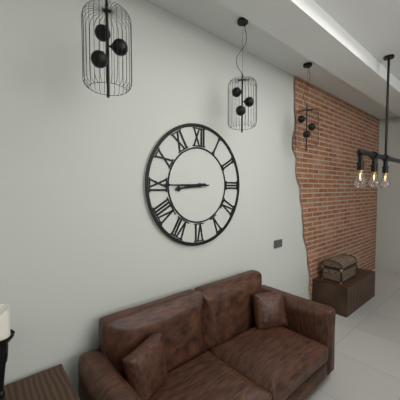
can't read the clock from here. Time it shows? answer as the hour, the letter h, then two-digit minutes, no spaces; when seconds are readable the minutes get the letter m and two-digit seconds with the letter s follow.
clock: 8h45
